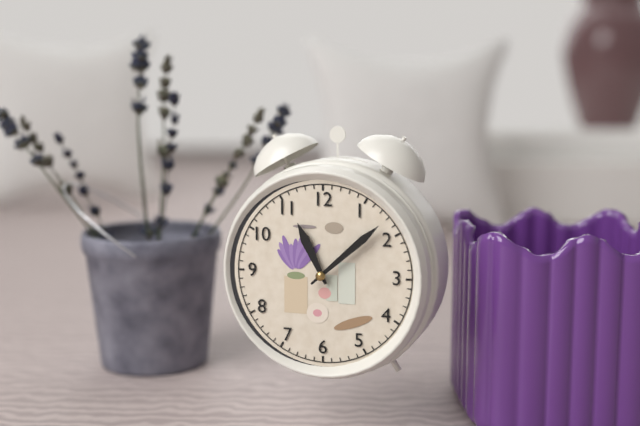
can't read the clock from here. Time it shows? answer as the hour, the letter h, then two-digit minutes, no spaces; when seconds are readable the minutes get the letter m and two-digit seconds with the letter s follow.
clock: 11h08
